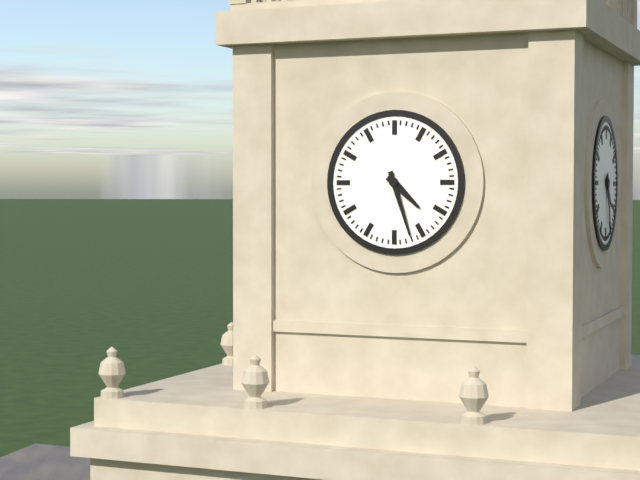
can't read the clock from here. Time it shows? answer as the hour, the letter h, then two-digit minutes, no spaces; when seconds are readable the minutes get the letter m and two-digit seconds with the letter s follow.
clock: 4h27
